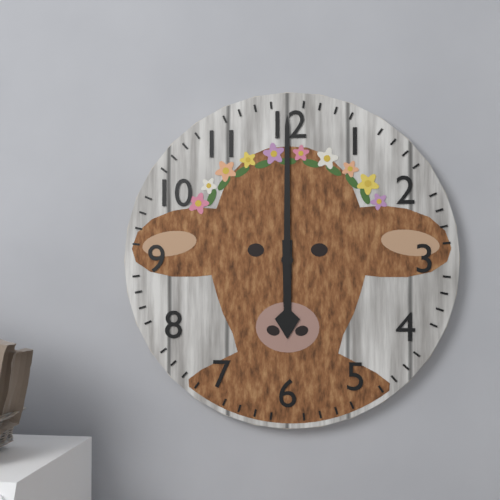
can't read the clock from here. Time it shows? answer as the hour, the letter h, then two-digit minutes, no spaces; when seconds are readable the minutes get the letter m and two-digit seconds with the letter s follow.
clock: 6h00
